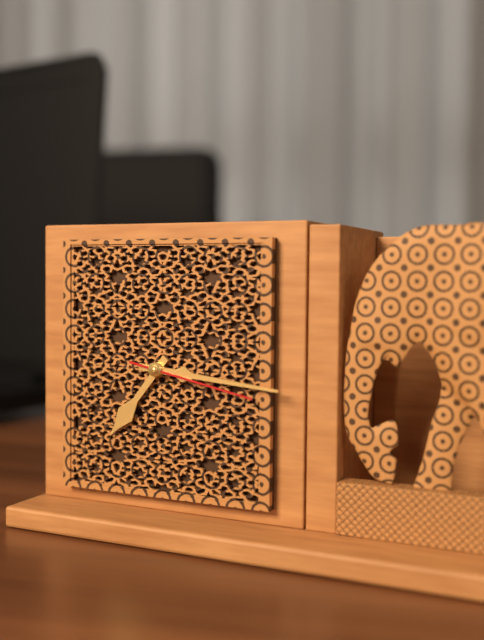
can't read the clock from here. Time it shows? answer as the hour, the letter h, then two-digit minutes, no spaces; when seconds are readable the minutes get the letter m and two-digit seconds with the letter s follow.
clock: 7h16m17s
